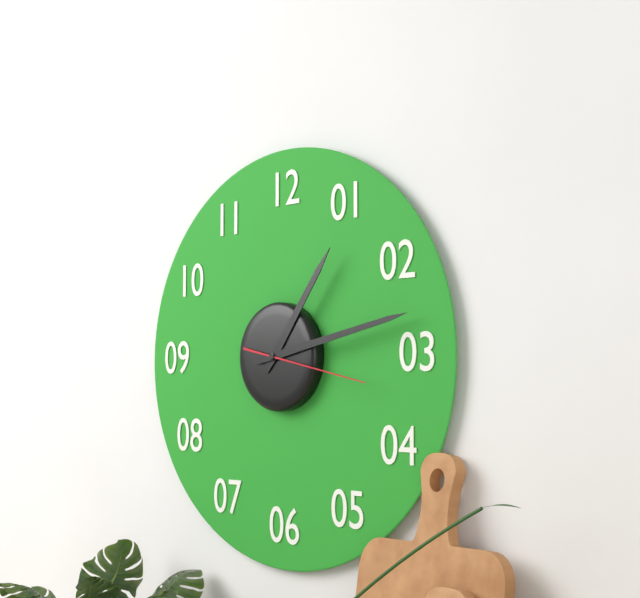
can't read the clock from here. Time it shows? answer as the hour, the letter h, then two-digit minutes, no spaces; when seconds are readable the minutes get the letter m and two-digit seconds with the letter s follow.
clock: 1h13m17s
